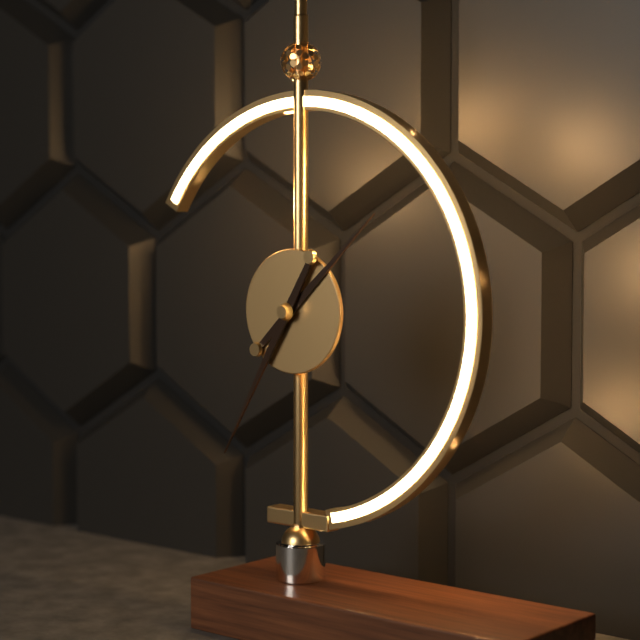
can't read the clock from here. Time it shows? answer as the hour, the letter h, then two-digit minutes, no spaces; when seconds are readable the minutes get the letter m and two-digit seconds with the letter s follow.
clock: 1h35
